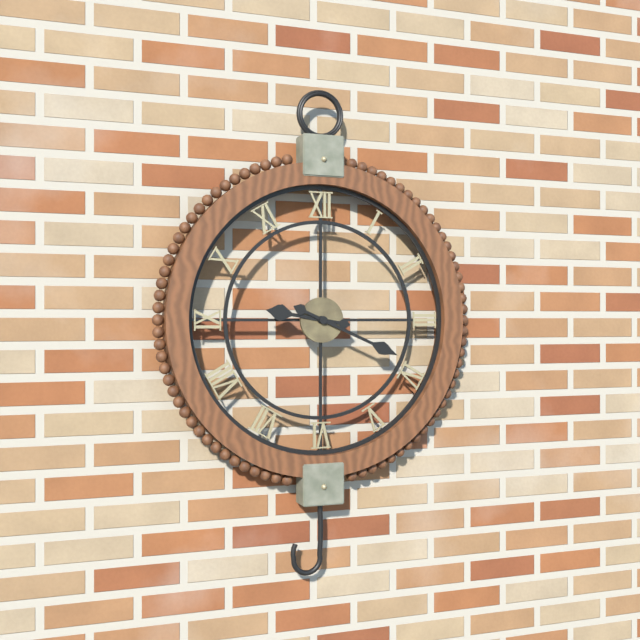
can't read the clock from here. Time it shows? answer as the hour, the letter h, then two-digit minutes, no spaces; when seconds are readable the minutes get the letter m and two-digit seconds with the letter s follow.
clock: 9h19
